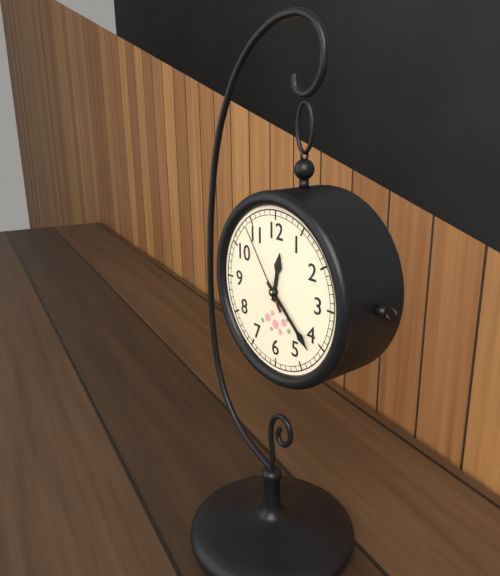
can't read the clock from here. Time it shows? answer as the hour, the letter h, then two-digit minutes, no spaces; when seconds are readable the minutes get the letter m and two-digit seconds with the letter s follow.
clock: 12h22m54s
